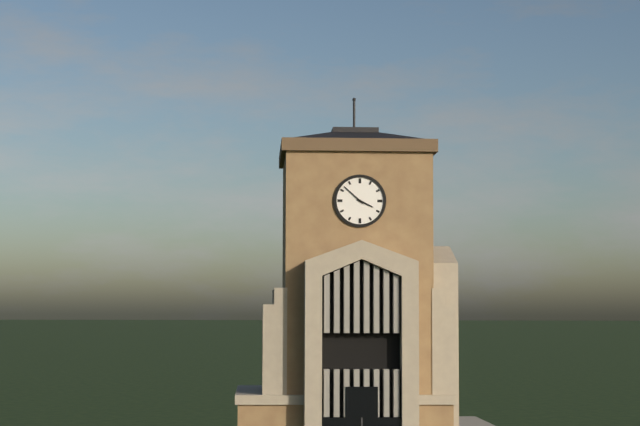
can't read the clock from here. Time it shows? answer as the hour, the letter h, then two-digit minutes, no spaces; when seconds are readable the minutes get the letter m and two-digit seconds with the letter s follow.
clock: 3h52
